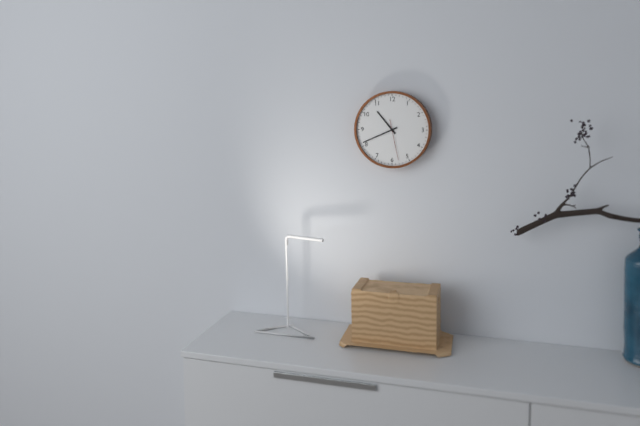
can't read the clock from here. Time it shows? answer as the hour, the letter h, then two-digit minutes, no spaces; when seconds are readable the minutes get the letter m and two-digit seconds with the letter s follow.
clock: 10h41
